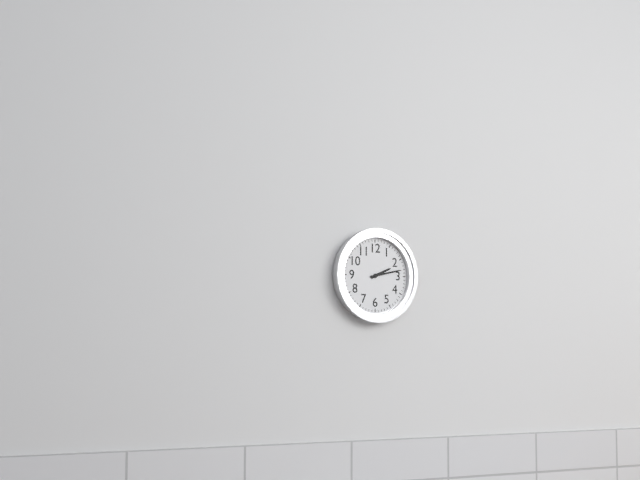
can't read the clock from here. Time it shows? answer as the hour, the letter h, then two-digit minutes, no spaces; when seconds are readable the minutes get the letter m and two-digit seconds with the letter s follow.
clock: 2h13
